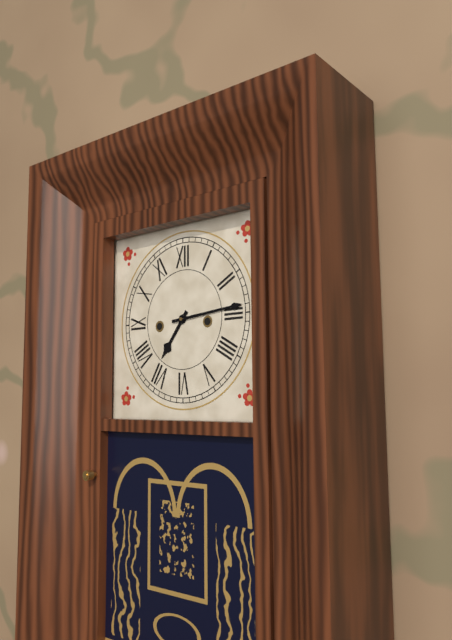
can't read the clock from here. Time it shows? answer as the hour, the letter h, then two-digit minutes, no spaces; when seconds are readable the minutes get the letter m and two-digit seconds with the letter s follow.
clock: 7h14
